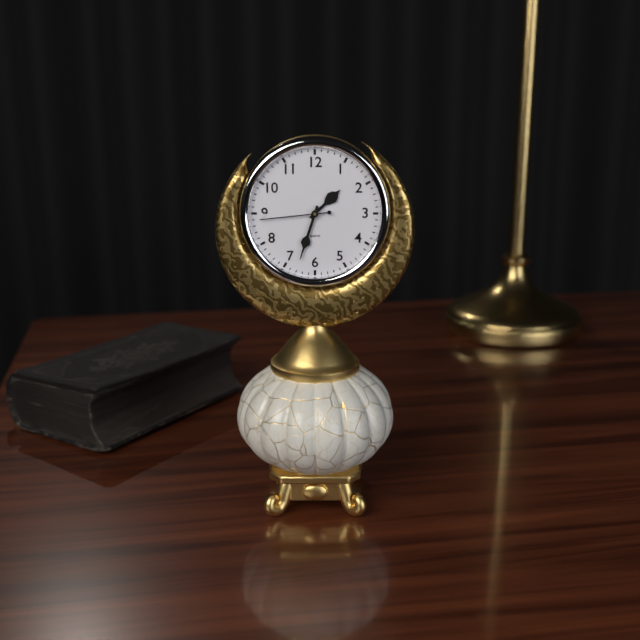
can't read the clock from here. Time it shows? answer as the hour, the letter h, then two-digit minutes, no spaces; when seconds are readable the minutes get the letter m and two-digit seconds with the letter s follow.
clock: 1h33m44s
